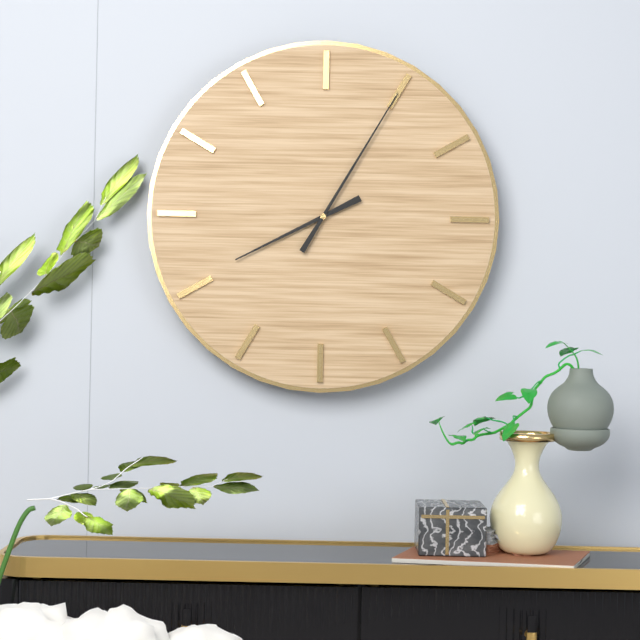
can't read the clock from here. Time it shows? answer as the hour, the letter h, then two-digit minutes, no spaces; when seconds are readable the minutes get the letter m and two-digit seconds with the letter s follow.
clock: 8h05
